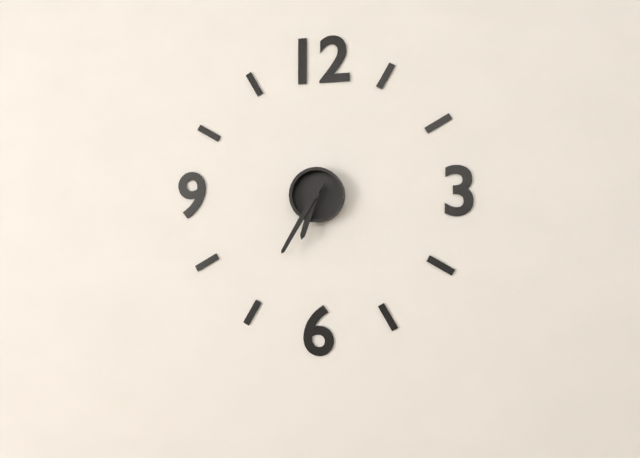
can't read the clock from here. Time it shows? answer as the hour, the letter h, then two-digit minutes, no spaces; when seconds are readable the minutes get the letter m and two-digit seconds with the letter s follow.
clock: 6h35
